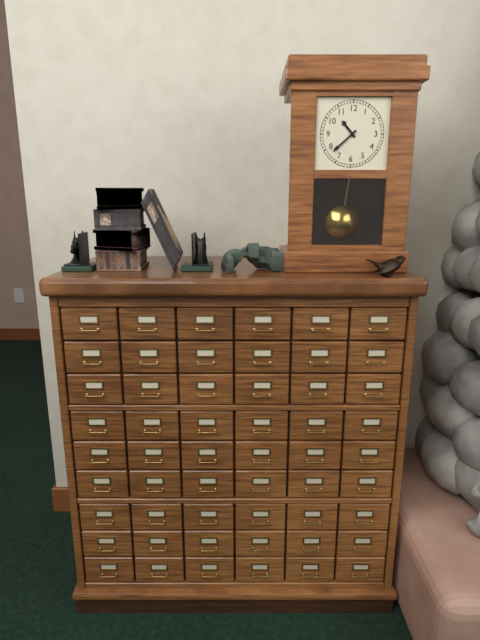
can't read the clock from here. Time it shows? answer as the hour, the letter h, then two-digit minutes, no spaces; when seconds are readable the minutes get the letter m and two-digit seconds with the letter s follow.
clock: 10h38
